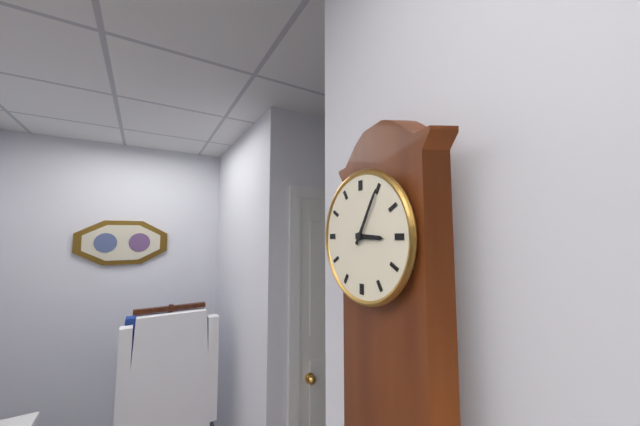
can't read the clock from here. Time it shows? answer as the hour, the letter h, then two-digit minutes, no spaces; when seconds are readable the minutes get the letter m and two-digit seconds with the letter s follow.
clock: 3h05
